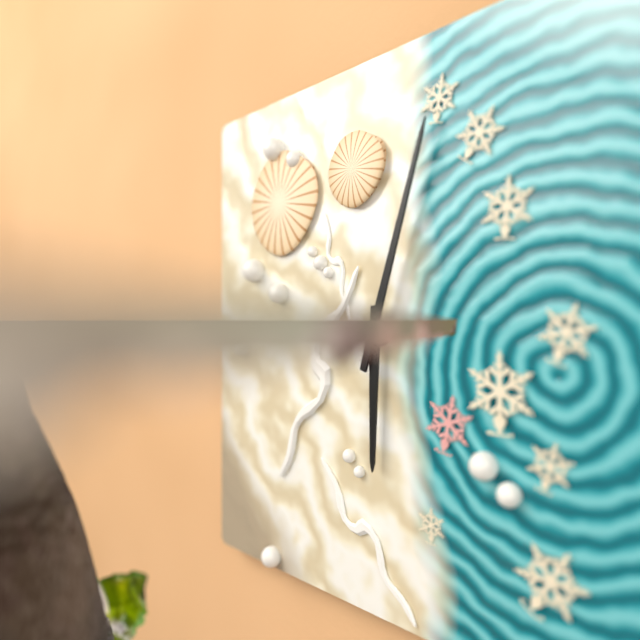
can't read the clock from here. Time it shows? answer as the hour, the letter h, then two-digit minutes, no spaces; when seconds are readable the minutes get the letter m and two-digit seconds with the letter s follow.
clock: 6h03
